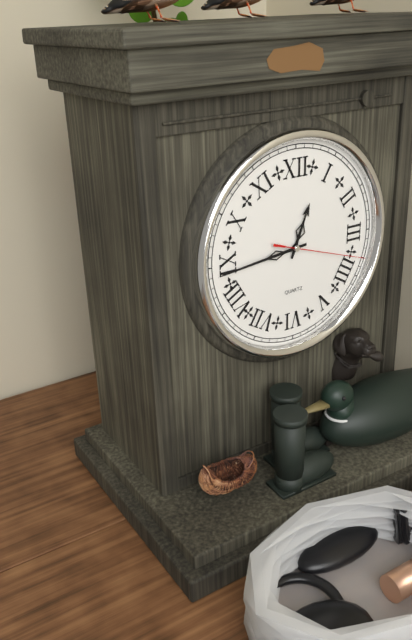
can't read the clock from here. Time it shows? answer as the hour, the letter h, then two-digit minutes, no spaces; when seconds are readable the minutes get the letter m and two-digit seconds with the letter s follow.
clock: 12h44m18s
